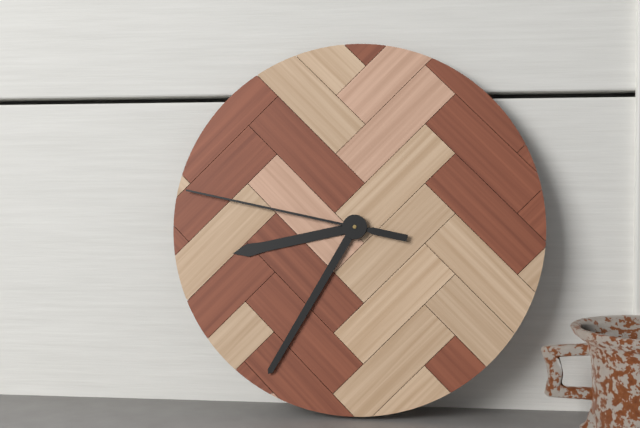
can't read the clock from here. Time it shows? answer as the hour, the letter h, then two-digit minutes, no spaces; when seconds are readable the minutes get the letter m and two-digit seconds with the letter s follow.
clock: 8h35m47s
